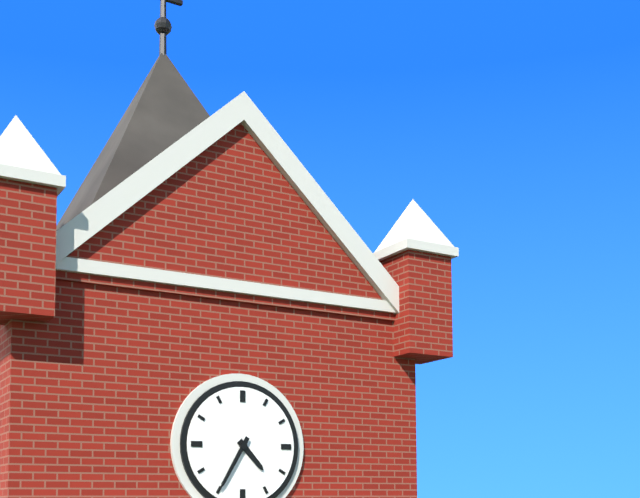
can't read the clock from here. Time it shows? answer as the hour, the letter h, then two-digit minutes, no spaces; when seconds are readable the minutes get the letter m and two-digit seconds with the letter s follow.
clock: 4h35
